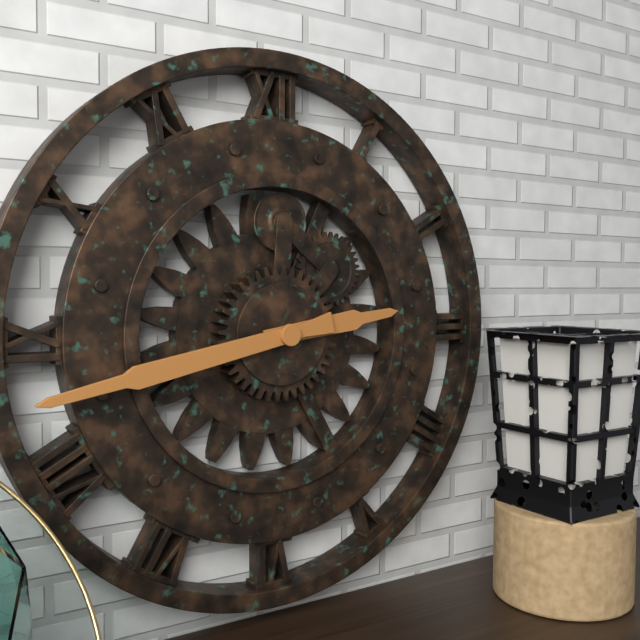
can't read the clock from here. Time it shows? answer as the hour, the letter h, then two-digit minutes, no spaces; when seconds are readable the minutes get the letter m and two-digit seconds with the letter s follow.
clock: 2h43
